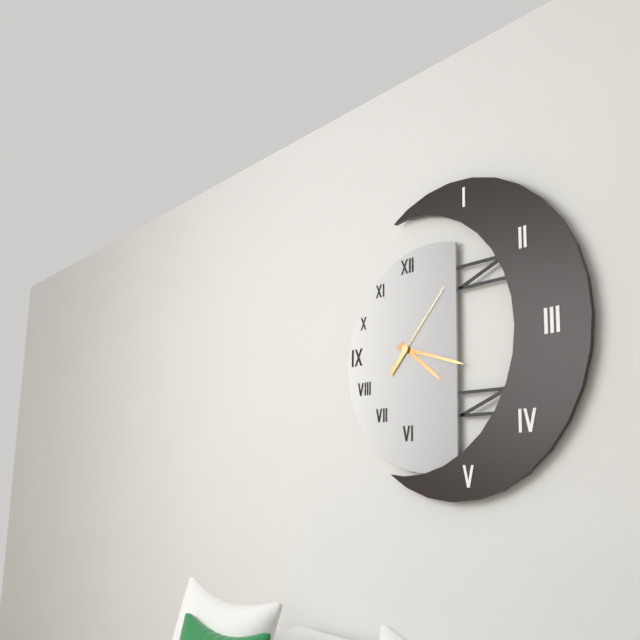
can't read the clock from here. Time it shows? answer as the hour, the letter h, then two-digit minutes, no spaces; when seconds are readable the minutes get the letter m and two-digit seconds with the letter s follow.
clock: 4h18m07s
